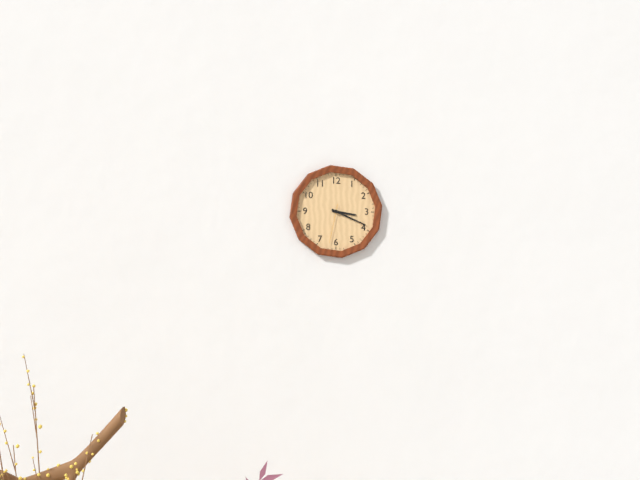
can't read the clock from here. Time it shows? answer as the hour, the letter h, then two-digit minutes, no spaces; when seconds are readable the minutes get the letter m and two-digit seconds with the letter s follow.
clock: 3h19
